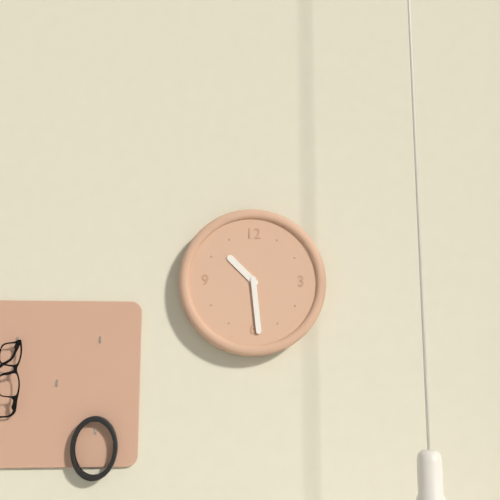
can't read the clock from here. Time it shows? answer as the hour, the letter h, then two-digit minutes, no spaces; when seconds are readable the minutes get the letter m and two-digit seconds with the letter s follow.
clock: 10h29
